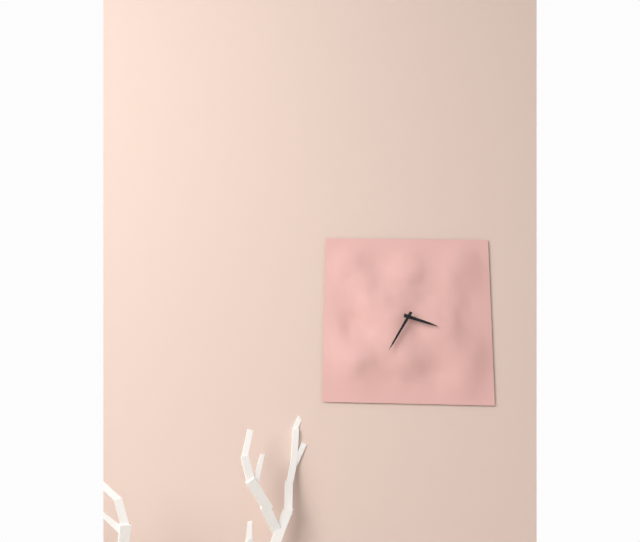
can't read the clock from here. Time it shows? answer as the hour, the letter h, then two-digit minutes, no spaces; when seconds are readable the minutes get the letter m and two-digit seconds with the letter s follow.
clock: 3h35
